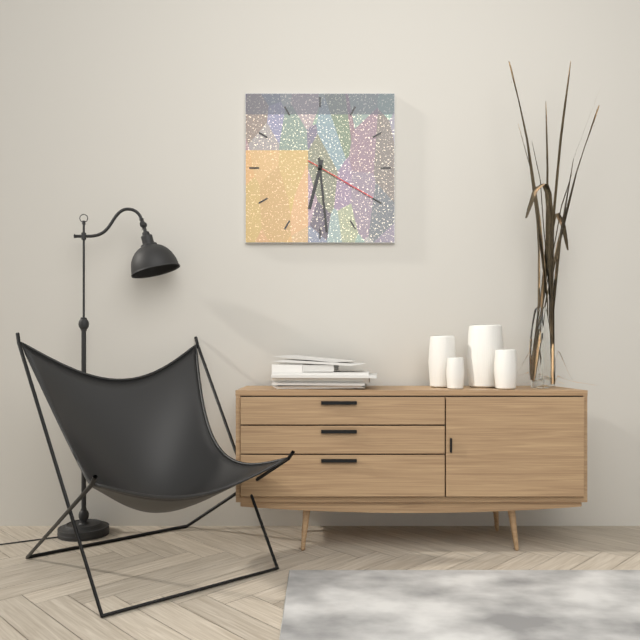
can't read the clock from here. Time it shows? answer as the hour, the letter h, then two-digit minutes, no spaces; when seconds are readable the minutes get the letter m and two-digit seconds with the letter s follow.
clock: 6h29m20s
